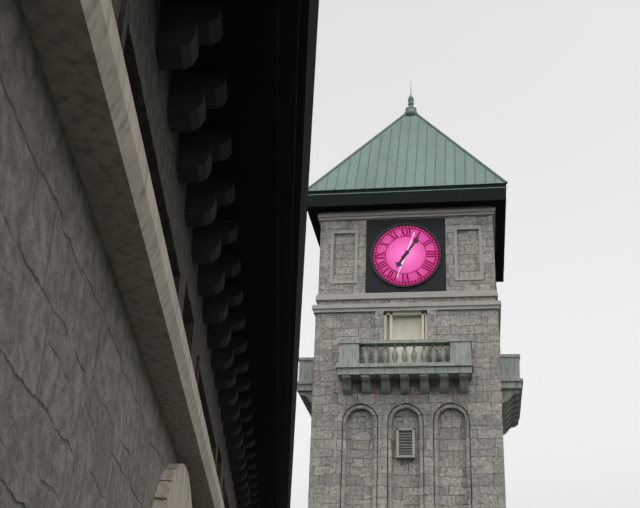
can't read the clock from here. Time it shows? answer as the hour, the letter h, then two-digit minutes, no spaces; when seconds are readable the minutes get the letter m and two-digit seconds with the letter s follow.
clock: 7h06
